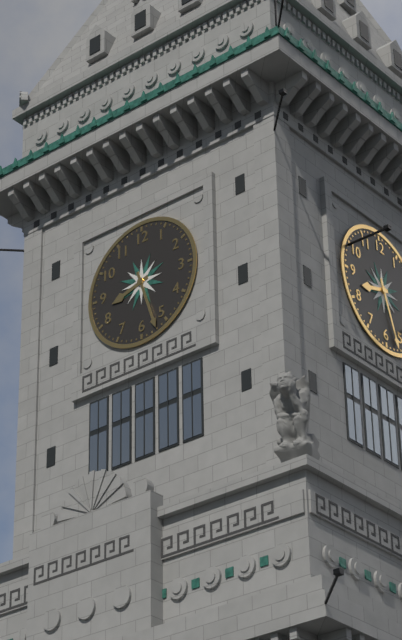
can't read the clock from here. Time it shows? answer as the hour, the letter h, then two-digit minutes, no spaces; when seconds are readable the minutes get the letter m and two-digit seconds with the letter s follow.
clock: 8h27
